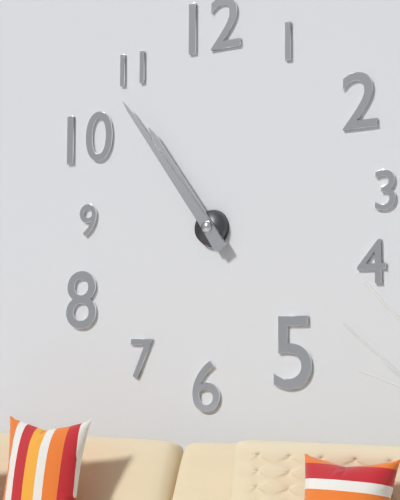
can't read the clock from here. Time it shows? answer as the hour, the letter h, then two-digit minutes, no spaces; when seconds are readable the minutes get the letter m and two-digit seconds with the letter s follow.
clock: 10h54
